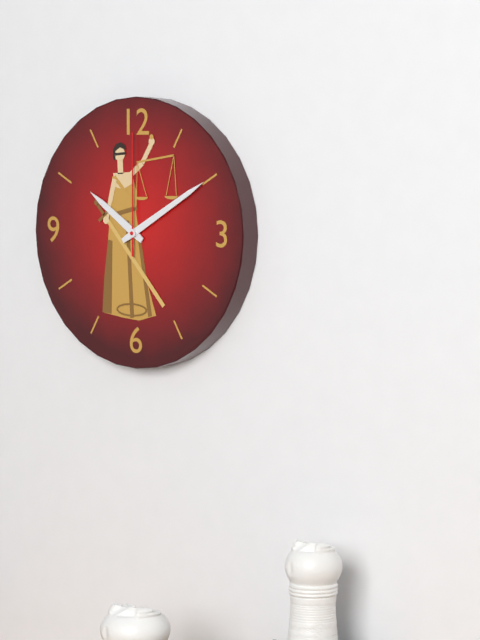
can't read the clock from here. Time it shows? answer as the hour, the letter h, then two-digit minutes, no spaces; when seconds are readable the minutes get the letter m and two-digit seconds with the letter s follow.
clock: 10h10m00s
